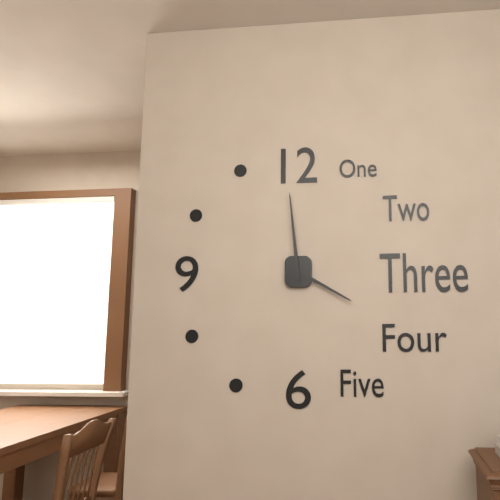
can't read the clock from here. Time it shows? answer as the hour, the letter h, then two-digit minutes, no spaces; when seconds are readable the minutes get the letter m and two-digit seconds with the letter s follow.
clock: 3h59
